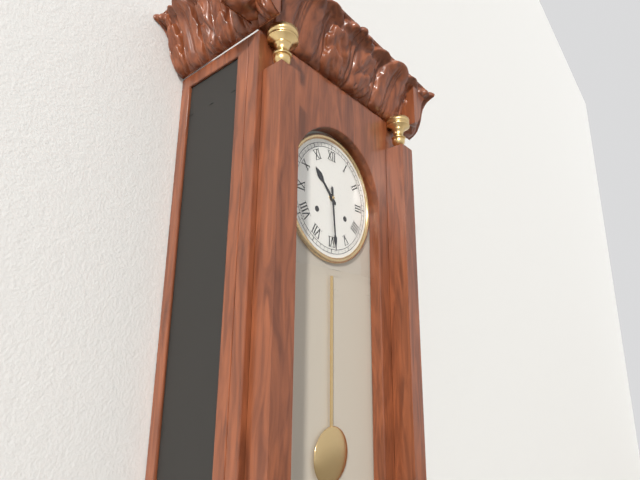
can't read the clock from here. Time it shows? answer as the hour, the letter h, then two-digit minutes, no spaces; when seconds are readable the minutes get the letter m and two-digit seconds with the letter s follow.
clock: 10h29
